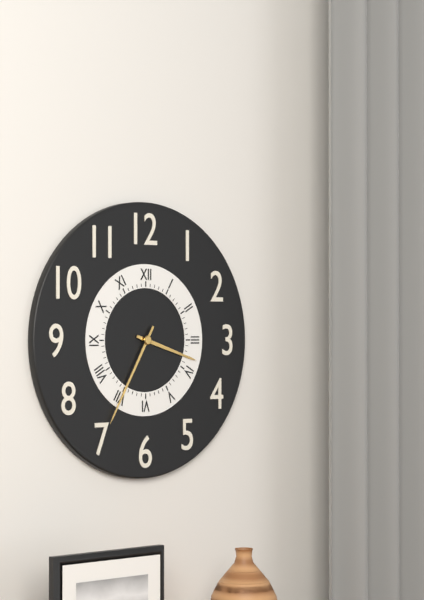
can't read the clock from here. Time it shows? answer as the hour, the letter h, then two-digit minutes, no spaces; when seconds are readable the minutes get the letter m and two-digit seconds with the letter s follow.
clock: 3h35
